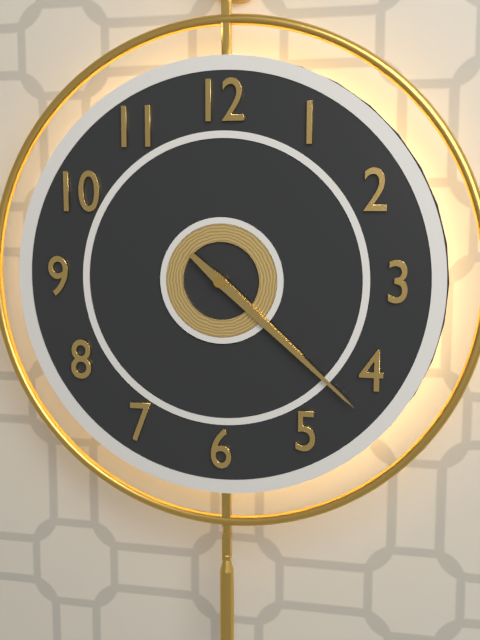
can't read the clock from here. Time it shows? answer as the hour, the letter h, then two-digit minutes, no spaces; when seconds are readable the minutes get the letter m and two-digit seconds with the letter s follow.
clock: 4h22
